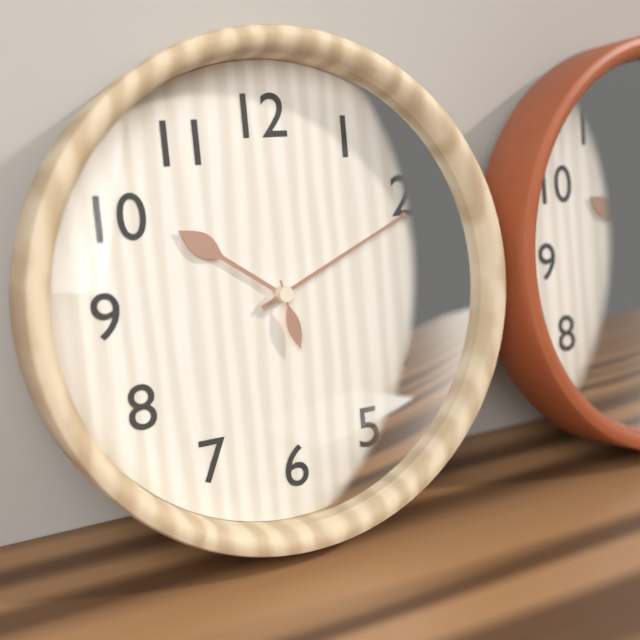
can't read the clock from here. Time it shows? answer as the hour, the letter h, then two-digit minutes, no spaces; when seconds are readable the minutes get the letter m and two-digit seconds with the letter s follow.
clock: 10h11m28s
